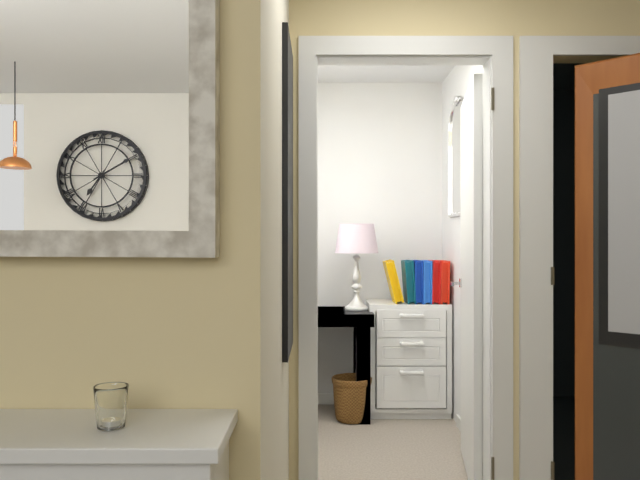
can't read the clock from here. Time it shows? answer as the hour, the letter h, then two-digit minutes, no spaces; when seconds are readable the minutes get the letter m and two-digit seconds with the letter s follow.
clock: 7h10
